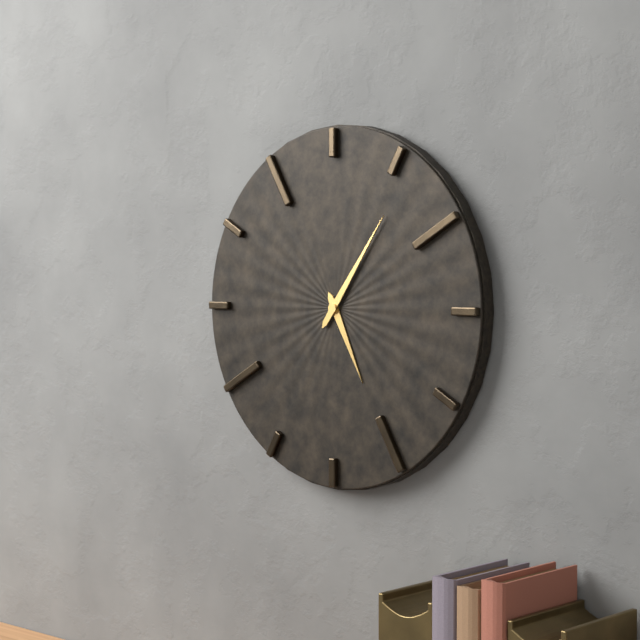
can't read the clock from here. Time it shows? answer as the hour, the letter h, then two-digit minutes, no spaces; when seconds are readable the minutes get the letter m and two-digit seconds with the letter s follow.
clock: 5h06
